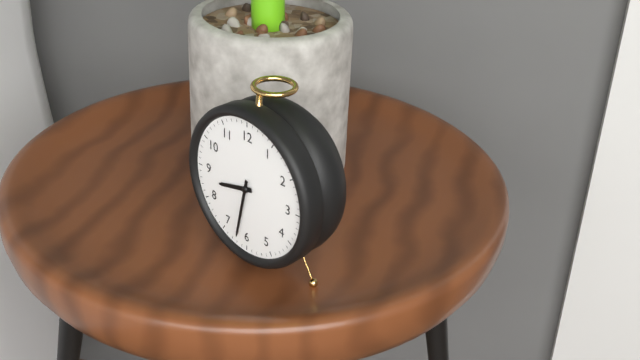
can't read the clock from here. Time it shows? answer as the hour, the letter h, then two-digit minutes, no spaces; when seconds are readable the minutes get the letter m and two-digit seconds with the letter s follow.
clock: 8h32
